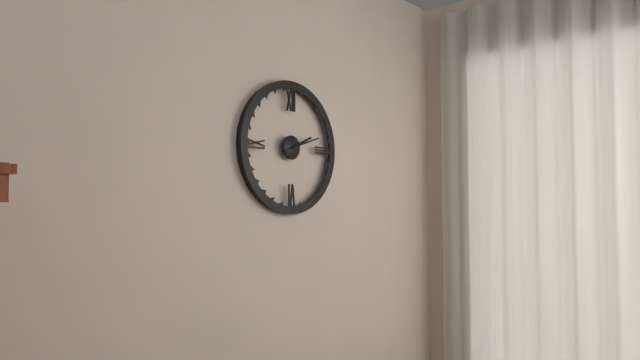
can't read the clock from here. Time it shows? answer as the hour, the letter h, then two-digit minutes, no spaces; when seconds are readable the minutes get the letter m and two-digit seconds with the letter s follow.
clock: 2h12
